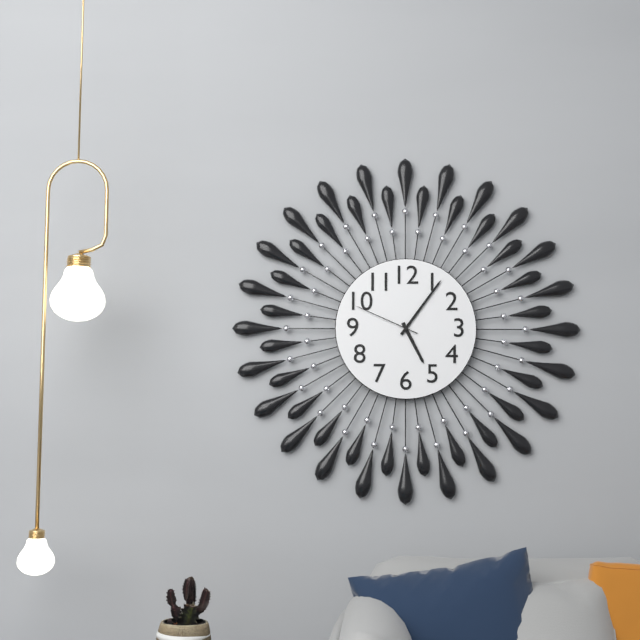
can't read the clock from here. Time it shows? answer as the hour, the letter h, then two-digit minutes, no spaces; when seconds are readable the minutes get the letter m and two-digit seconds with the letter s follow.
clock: 5h06m49s
